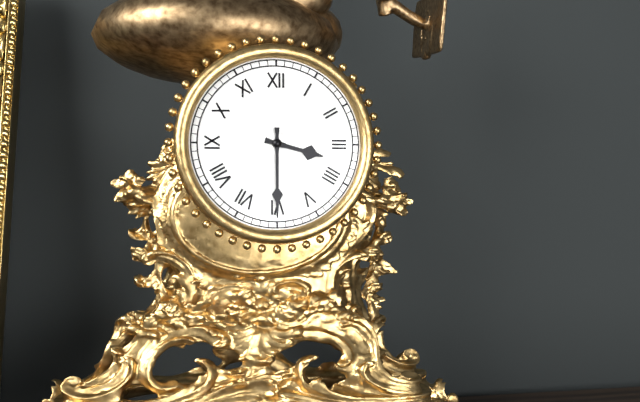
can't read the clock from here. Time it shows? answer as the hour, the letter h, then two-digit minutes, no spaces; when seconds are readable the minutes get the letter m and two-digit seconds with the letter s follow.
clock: 3h30
